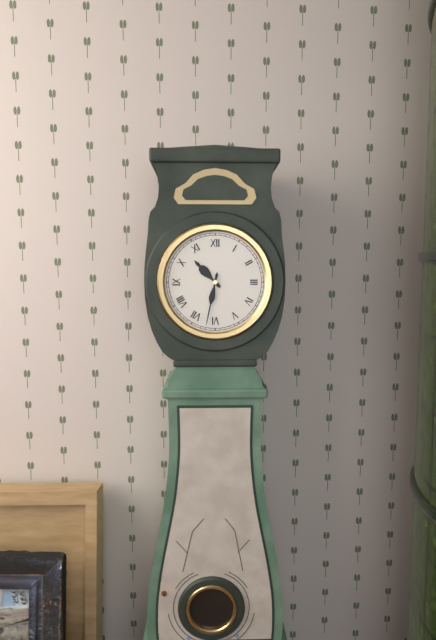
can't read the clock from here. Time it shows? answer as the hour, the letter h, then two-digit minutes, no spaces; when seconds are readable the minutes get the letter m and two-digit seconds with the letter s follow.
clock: 10h32
